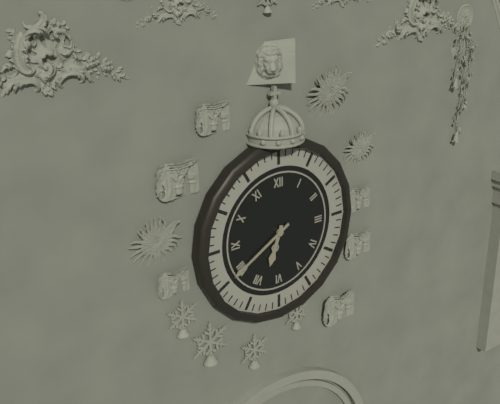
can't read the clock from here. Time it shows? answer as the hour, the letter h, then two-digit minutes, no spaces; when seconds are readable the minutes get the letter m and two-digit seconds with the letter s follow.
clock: 6h40
